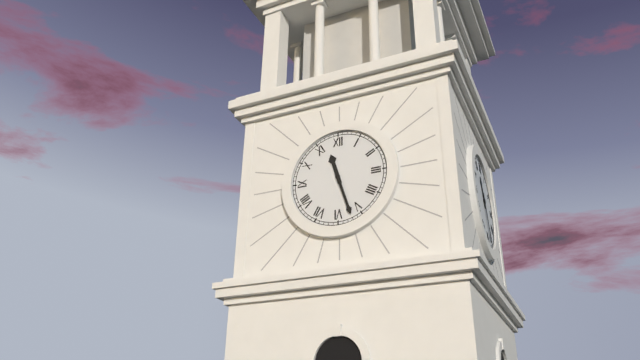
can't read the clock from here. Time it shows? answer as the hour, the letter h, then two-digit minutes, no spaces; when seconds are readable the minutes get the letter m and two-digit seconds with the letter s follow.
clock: 11h27
